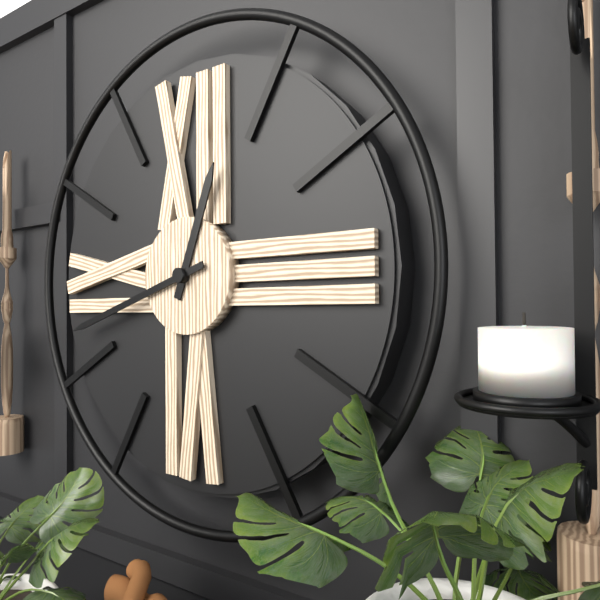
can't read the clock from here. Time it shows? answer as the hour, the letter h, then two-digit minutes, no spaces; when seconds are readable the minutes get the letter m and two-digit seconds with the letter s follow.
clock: 12h42
